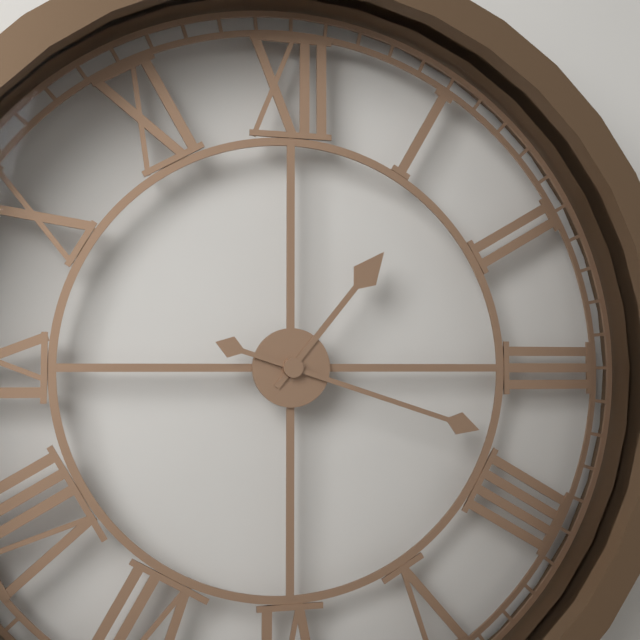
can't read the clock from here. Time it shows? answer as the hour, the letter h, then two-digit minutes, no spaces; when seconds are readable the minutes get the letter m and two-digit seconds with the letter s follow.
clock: 1h18
